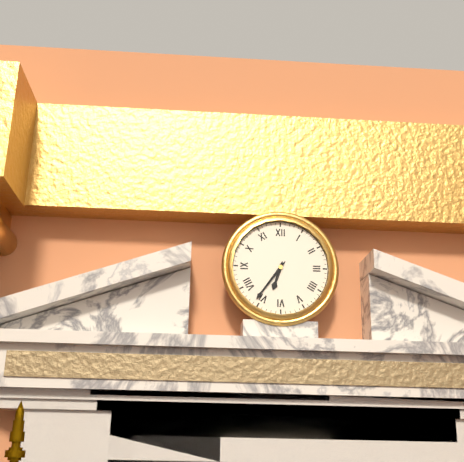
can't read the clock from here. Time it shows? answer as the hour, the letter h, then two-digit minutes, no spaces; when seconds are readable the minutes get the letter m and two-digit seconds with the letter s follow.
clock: 6h36
